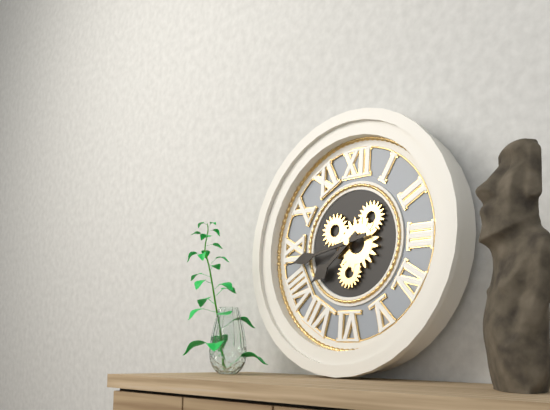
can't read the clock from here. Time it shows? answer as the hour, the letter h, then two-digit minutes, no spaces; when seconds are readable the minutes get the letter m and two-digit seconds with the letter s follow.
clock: 7h43
